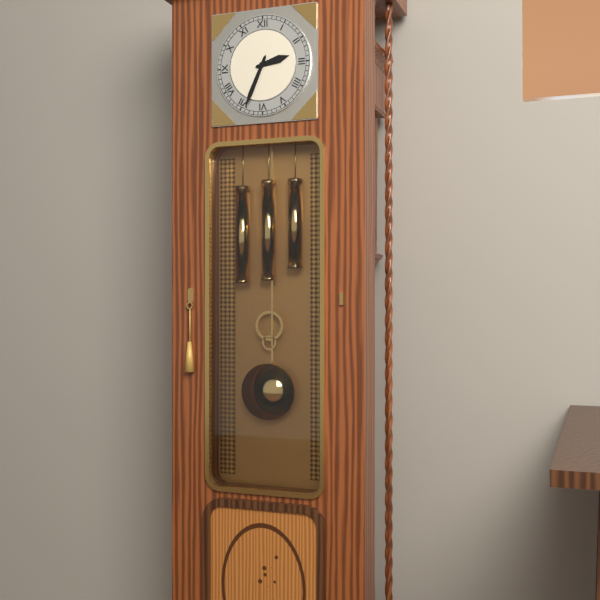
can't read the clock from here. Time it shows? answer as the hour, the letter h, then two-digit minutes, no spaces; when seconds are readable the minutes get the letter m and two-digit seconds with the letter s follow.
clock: 2h34
